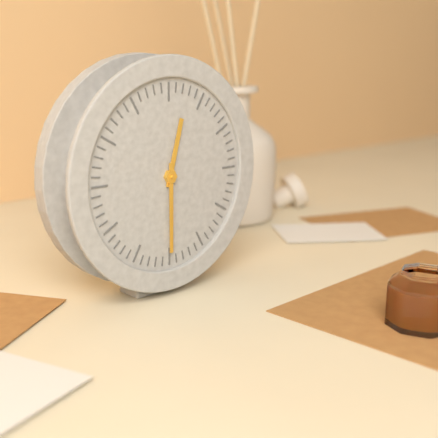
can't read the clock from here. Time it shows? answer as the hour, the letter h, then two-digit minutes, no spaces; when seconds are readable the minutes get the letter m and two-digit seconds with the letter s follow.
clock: 12h30
